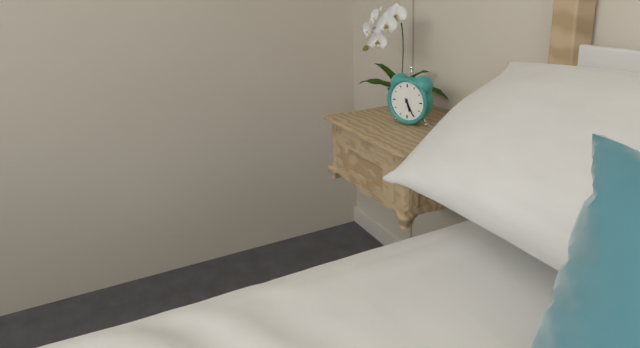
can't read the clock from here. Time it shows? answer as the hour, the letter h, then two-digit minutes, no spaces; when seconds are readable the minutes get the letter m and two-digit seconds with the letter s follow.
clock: 5h25
